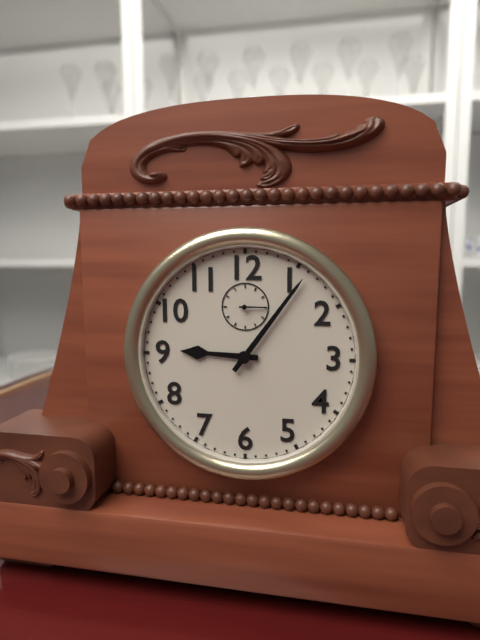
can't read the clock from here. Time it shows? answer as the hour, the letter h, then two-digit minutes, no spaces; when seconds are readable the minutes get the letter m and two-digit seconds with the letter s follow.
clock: 9h06
